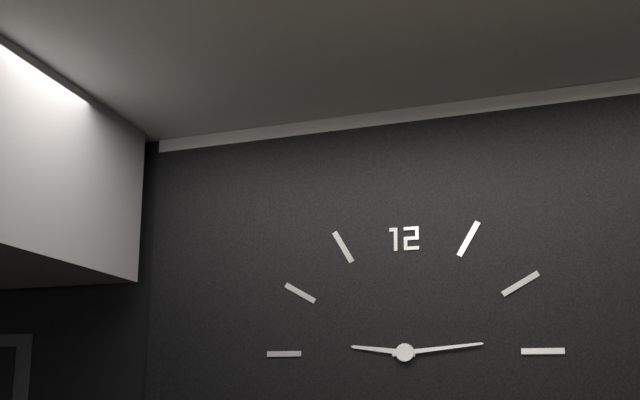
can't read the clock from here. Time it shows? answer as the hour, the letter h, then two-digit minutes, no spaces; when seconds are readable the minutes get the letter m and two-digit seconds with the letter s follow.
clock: 9h14
